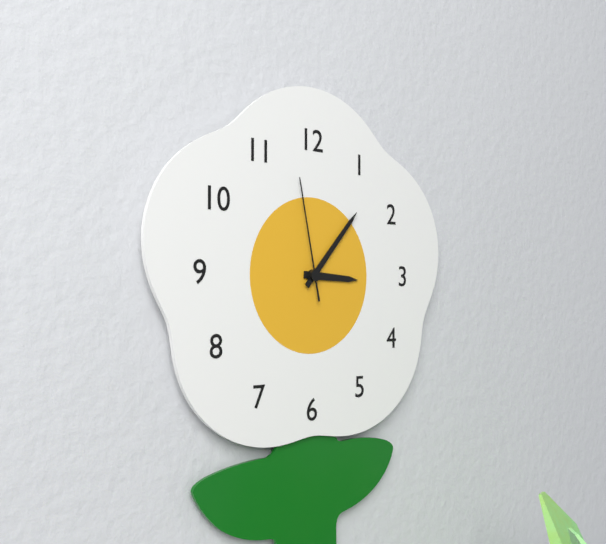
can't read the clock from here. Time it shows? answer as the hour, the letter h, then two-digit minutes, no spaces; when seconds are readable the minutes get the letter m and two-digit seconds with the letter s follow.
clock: 3h07m58s
